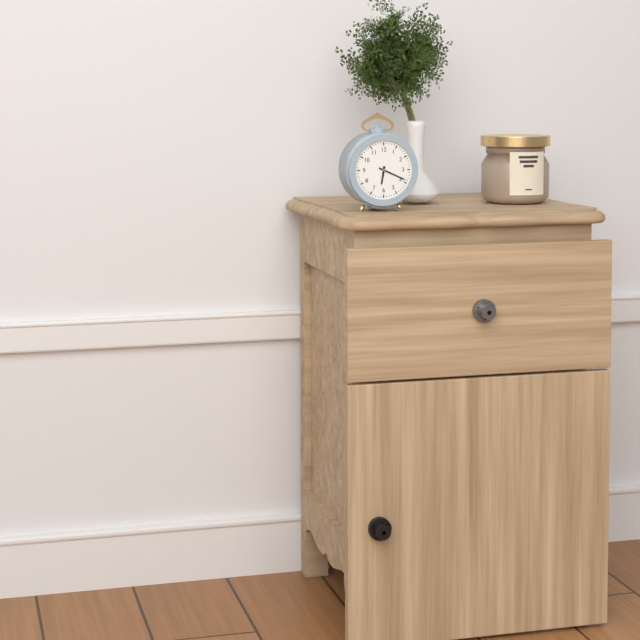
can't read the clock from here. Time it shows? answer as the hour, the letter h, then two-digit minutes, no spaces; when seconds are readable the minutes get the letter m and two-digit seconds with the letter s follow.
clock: 6h19
